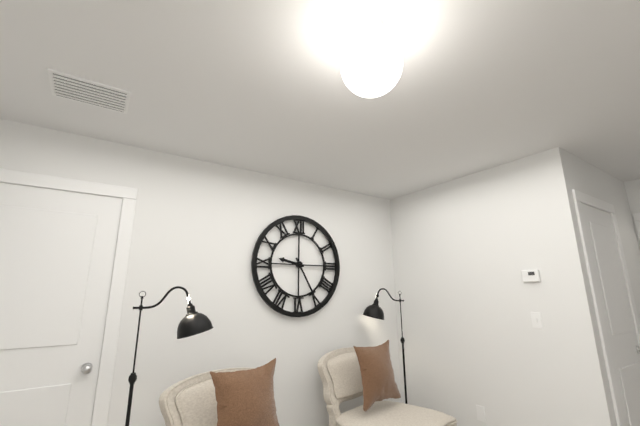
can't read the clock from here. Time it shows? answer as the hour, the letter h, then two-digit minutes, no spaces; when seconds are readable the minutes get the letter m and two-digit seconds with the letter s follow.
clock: 9h25
